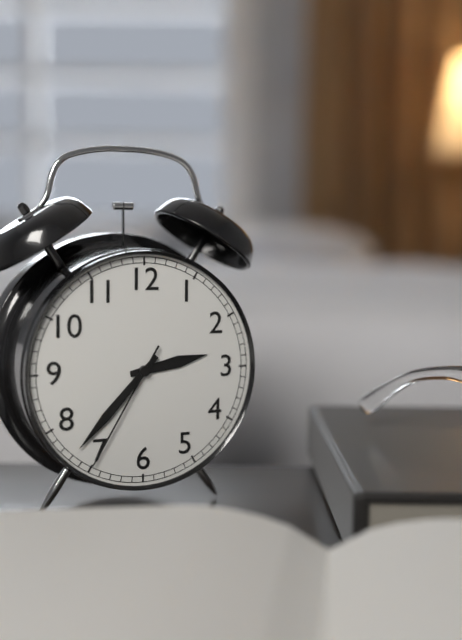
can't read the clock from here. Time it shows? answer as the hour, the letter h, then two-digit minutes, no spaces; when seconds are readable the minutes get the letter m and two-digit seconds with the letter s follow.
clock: 2h37m35s
